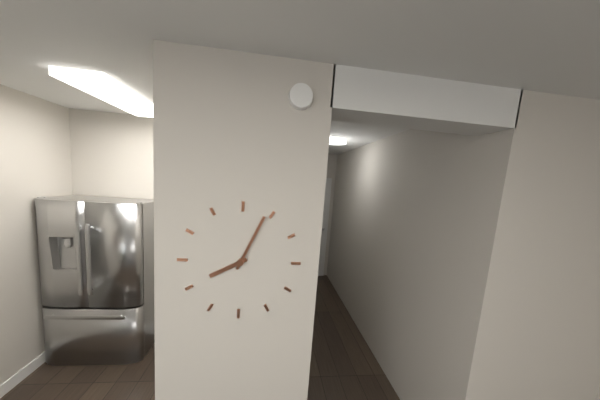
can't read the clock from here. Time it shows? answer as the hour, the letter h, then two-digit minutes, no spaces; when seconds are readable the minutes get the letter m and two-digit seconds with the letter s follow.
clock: 8h04
